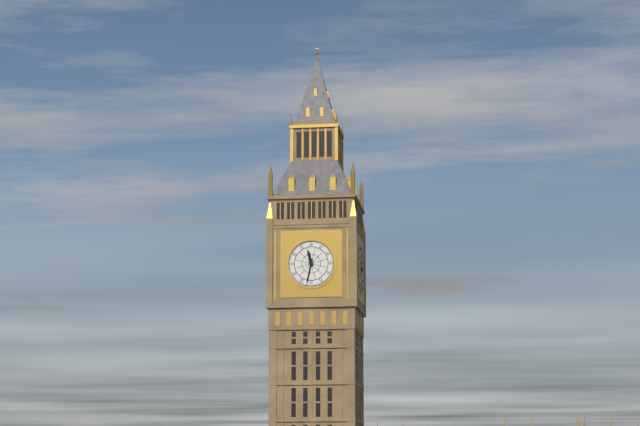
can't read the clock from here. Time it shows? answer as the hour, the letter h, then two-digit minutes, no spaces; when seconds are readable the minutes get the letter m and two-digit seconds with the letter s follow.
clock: 11h32
